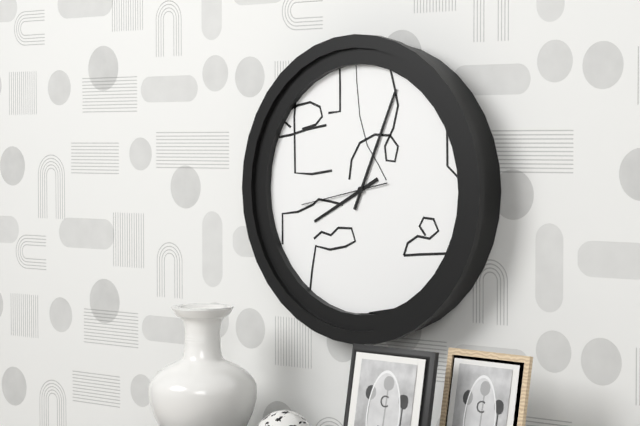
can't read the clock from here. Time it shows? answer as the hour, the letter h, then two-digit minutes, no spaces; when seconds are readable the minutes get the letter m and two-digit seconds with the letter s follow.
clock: 8h04m43s
